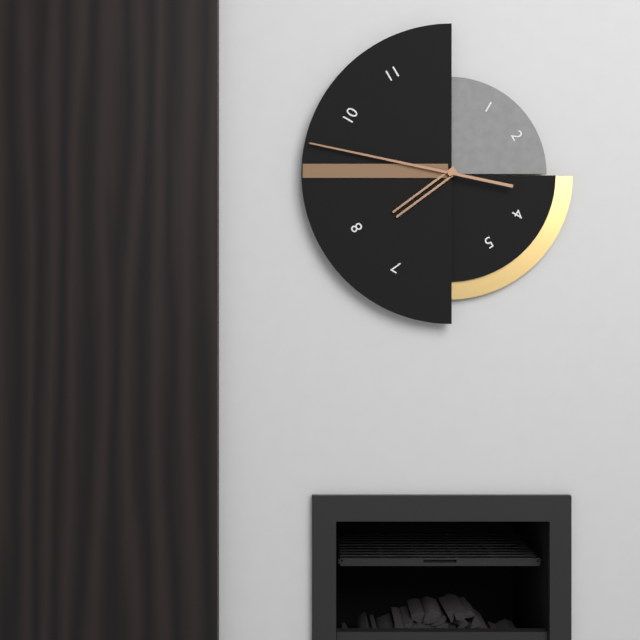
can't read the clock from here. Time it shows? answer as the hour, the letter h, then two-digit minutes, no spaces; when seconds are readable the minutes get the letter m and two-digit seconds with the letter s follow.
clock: 7h47
